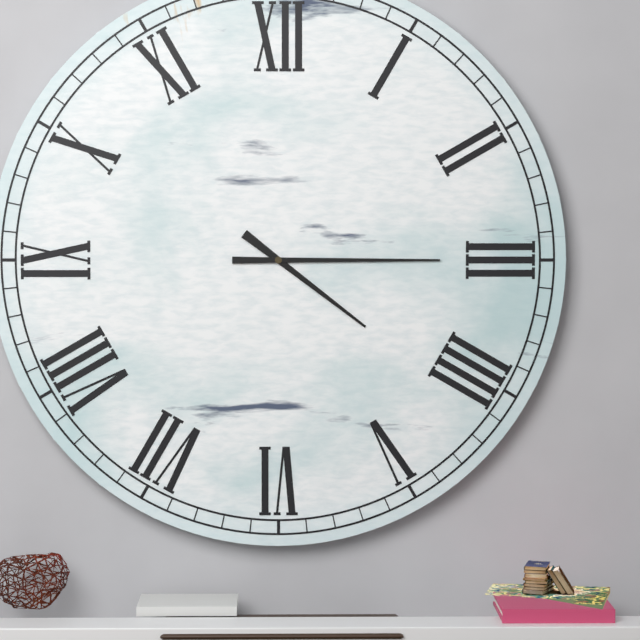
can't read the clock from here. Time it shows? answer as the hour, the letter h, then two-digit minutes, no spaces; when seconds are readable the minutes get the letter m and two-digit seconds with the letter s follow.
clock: 4h15
